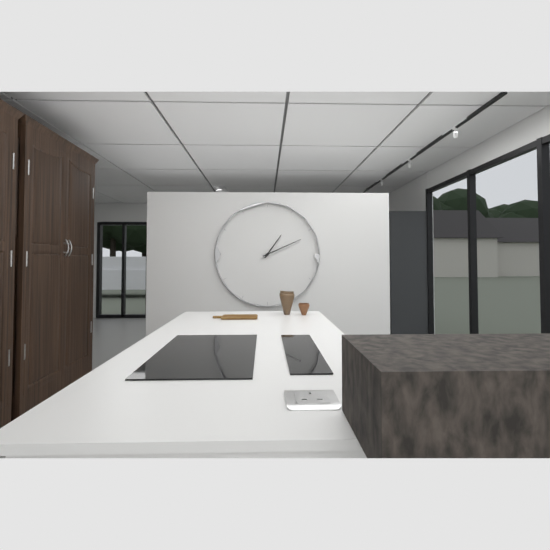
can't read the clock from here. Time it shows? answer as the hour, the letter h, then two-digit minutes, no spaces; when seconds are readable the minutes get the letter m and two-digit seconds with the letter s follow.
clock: 1h11
